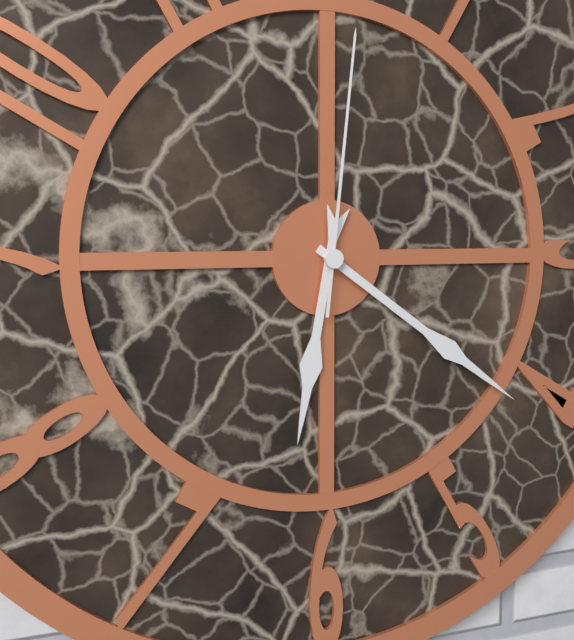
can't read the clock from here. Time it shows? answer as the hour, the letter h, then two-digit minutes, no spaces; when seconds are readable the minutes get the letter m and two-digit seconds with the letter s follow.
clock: 6h21m01s
